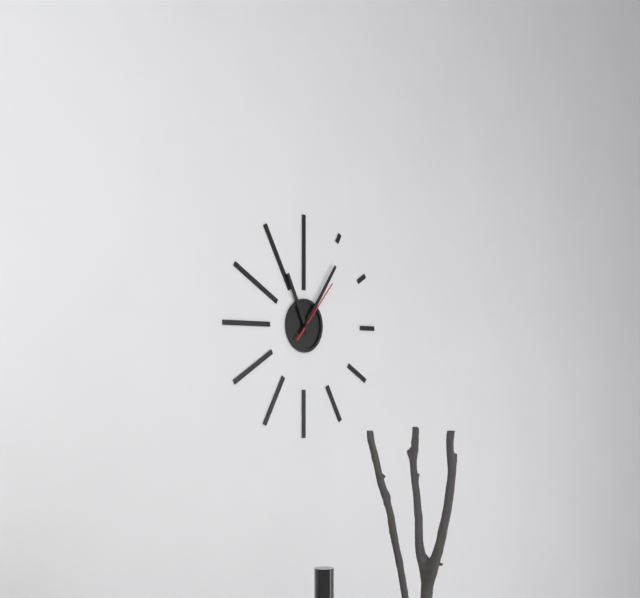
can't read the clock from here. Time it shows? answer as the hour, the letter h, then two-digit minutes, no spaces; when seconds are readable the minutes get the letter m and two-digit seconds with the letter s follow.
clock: 11h06m07s
